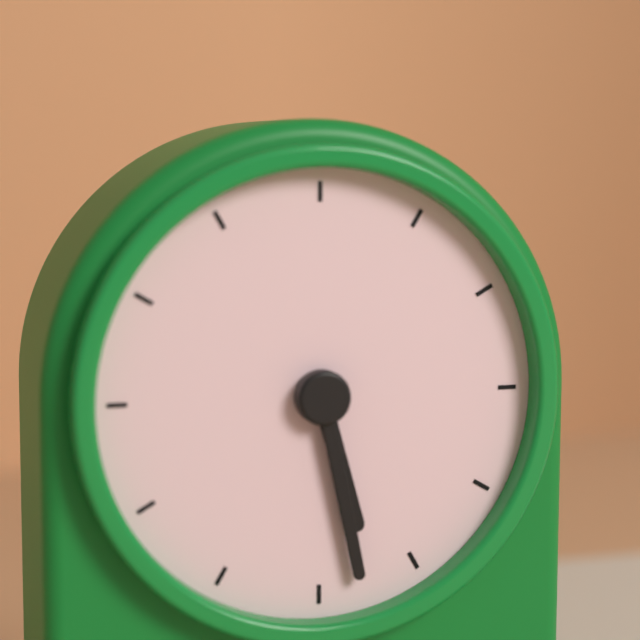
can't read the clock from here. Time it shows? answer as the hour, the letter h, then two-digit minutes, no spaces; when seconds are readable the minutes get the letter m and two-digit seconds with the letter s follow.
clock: 5h28
